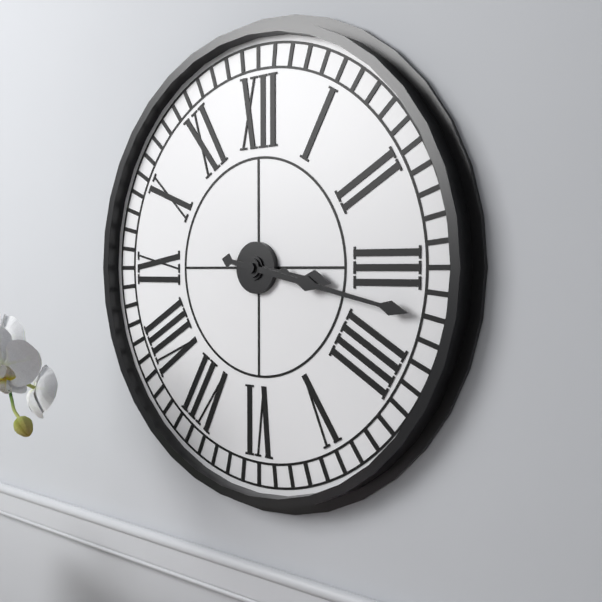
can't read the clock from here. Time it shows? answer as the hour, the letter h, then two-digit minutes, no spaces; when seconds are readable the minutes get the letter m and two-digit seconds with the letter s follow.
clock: 3h17
